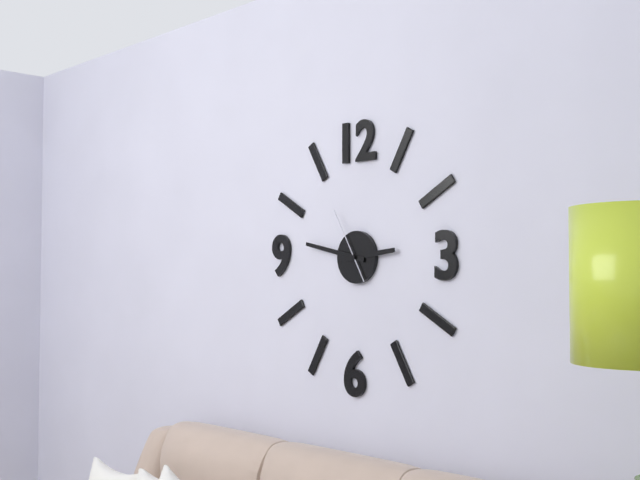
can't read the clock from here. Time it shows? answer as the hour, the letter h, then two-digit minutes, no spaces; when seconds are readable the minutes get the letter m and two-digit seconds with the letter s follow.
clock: 2h47m55s
